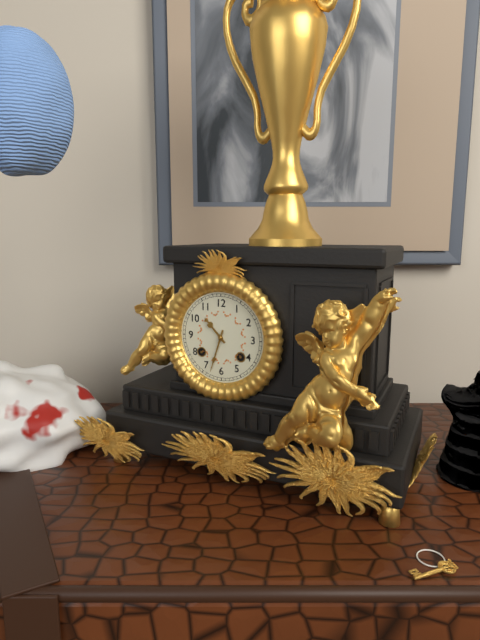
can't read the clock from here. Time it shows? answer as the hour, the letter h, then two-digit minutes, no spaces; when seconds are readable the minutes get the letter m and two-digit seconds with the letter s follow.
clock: 10h33
